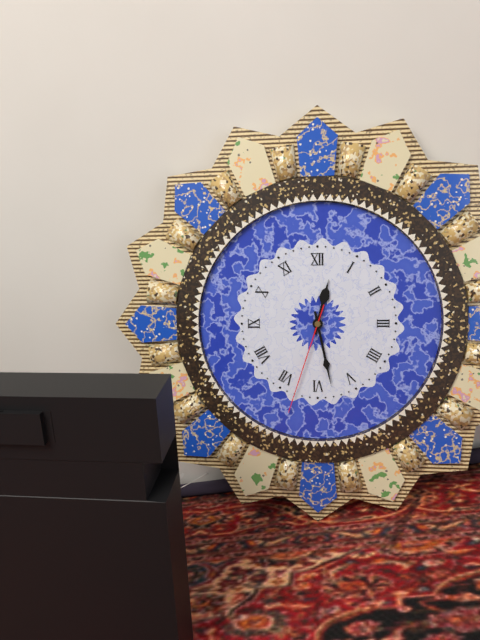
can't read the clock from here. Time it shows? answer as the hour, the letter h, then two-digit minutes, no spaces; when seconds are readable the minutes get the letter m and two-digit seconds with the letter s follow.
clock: 12h28m33s
